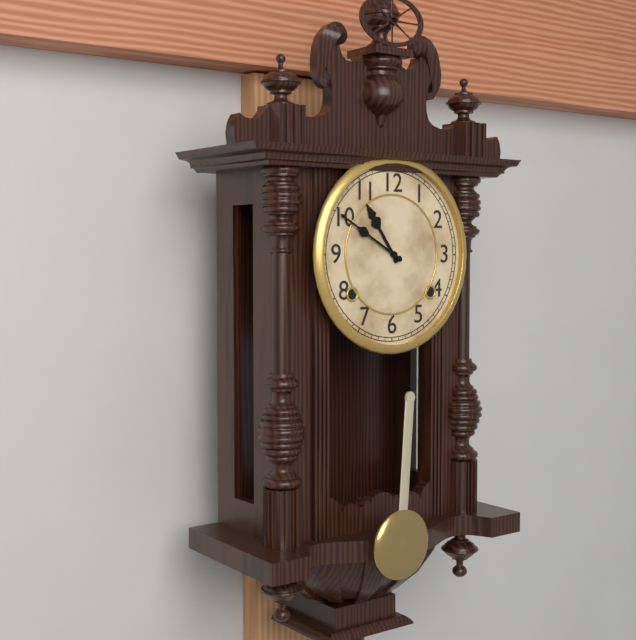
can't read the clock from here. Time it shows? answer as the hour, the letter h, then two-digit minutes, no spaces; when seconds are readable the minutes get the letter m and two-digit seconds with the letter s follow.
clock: 10h50
